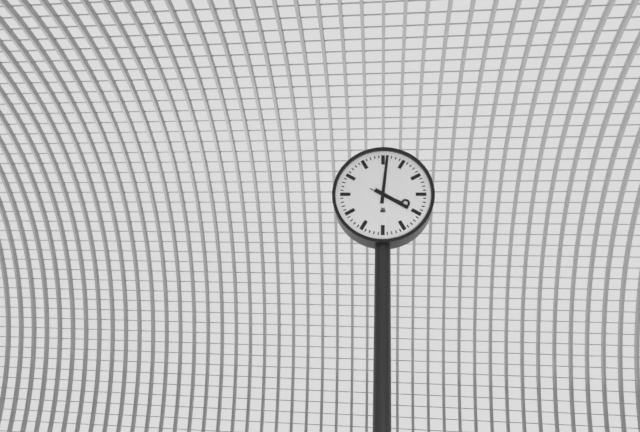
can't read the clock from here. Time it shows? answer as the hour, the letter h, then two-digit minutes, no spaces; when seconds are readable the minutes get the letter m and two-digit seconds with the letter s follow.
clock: 4h01
